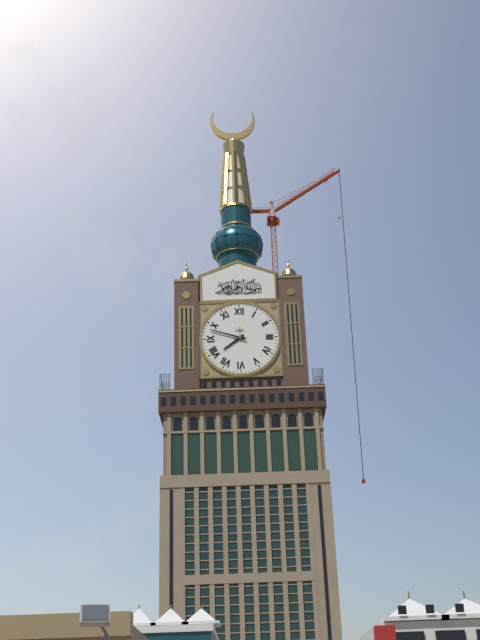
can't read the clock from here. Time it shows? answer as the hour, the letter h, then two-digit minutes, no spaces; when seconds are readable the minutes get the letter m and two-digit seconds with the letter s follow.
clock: 7h48
